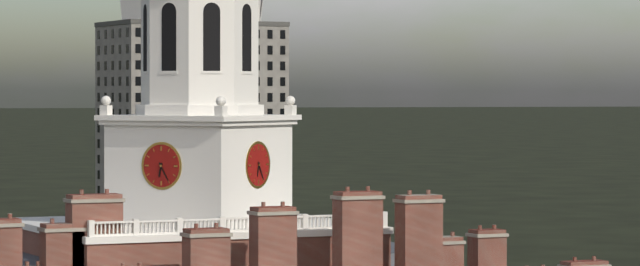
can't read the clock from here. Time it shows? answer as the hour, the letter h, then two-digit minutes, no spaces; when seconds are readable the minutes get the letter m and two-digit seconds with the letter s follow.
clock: 6h25
